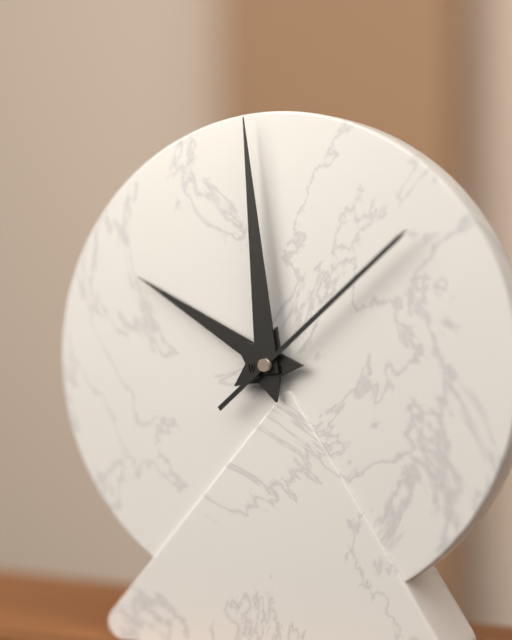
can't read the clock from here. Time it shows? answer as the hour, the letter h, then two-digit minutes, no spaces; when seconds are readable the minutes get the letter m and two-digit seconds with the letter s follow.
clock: 9h59m08s
